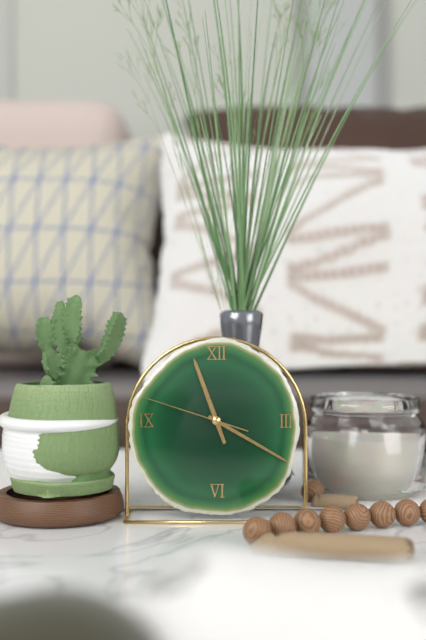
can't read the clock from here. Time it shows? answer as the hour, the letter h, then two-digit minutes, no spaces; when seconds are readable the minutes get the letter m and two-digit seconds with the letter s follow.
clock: 11h20m48s
